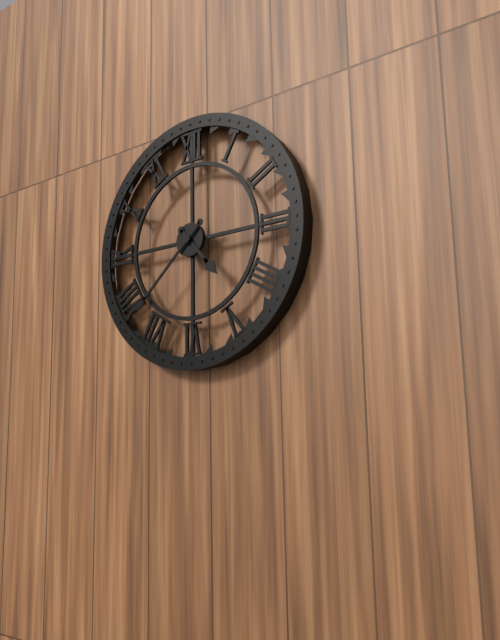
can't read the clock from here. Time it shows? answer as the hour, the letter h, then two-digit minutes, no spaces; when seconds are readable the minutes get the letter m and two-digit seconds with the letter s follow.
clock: 4h38
